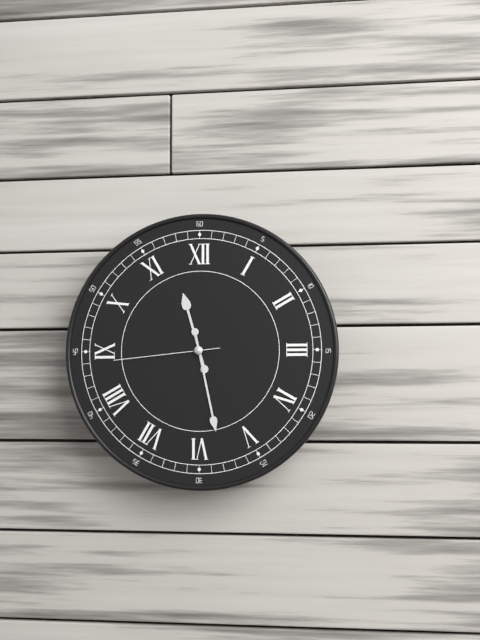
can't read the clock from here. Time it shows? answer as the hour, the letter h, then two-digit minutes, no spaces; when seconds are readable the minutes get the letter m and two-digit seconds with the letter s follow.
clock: 11h28m44s
